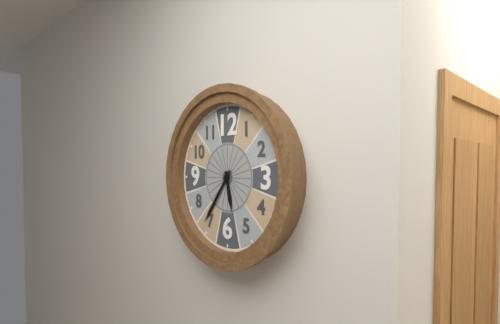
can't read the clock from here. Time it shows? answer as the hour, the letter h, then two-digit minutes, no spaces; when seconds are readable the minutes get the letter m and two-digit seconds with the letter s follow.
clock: 5h36
